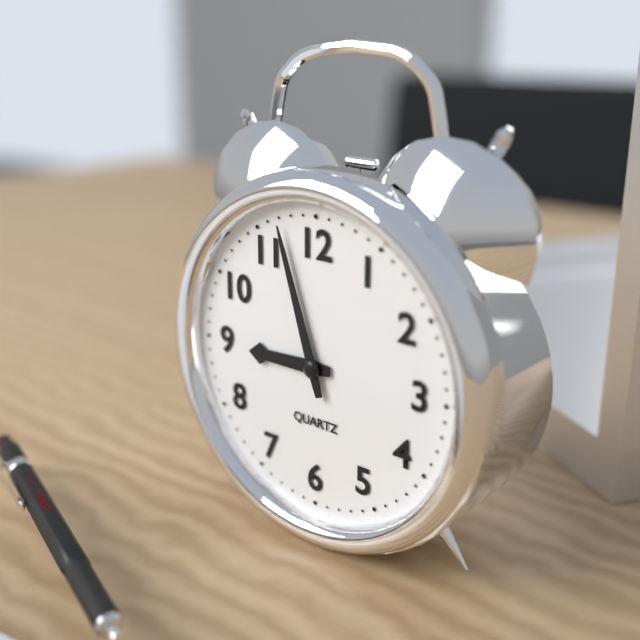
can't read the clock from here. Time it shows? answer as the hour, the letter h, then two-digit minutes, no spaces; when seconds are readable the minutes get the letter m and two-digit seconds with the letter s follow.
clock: 8h57
